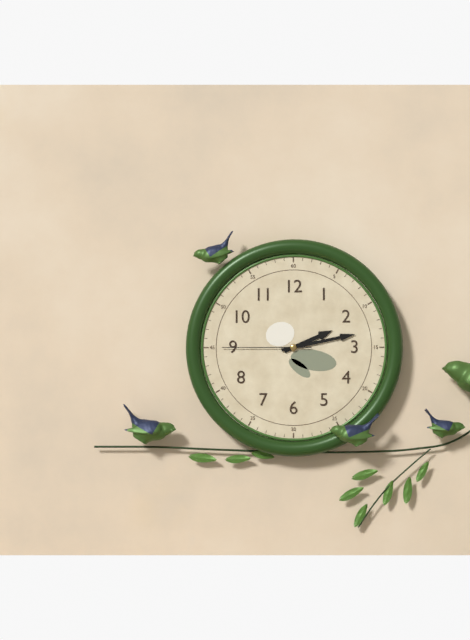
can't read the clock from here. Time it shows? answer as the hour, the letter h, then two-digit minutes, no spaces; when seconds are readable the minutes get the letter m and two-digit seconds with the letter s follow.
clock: 2h13m45s
